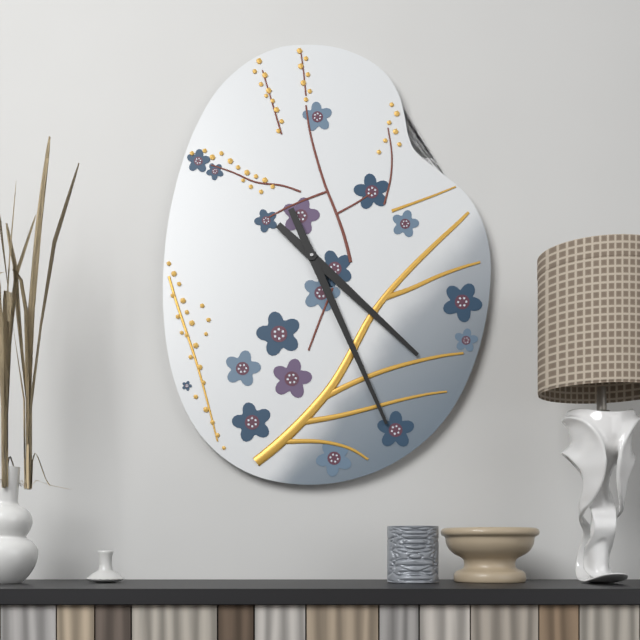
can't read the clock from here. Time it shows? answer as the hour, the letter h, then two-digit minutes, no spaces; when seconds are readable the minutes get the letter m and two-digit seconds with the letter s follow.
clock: 4h26
